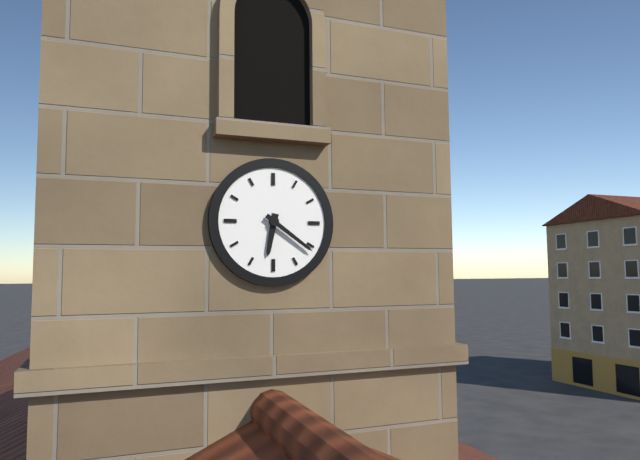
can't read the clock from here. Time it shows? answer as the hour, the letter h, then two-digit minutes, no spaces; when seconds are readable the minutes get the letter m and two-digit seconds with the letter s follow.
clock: 6h21
